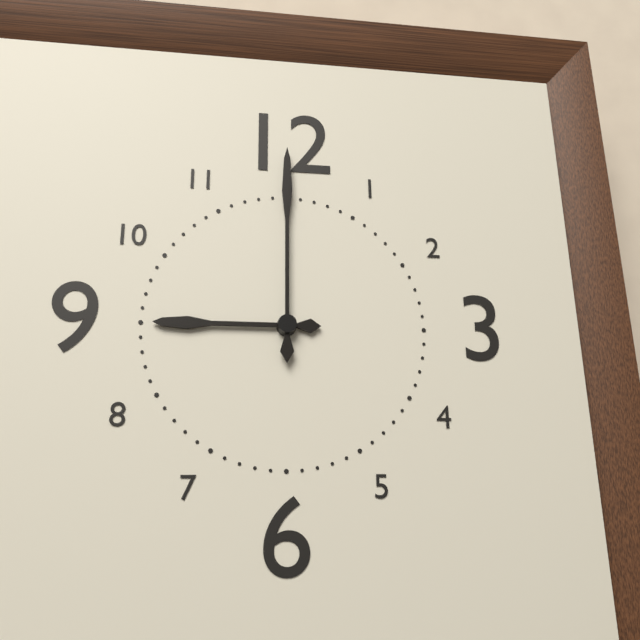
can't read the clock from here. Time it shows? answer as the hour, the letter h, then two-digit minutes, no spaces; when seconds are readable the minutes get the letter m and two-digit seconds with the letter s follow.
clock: 9h00
